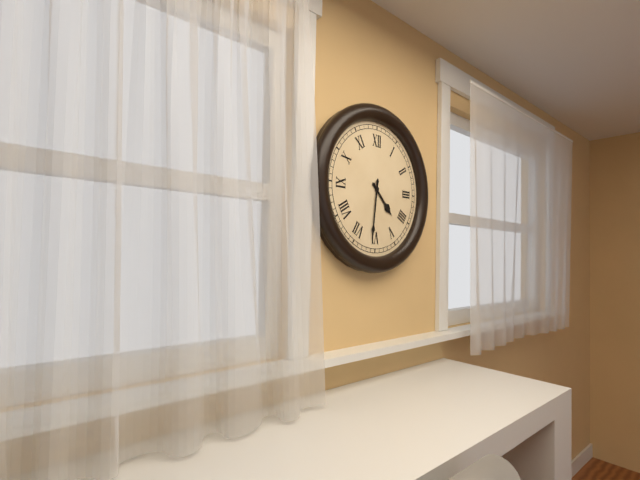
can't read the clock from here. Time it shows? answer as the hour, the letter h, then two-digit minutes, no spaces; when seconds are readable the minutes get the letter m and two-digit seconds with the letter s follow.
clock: 4h31
